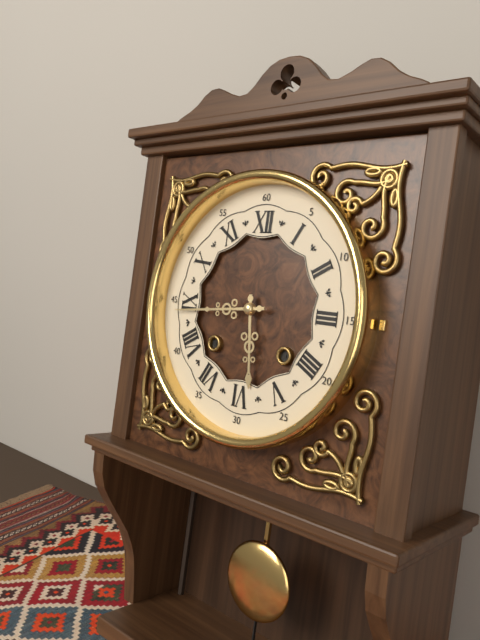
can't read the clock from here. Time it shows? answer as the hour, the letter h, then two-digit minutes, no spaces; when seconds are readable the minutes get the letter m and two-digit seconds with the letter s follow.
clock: 5h44
